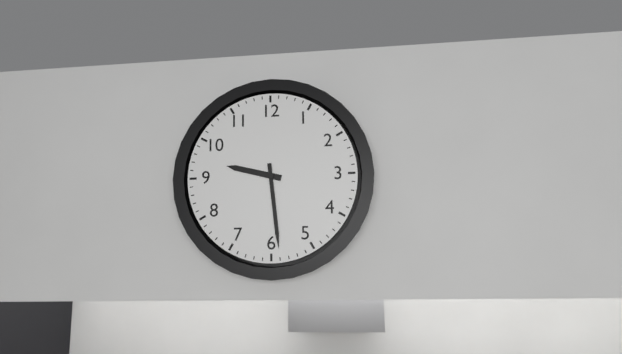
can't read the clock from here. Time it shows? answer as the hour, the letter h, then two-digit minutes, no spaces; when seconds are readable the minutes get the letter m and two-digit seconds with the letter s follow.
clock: 9h29
